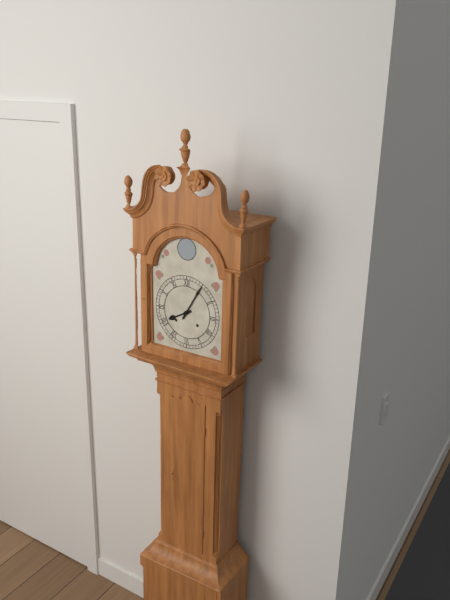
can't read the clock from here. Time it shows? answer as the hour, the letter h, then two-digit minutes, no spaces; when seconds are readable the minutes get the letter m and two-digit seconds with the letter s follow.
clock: 8h05
